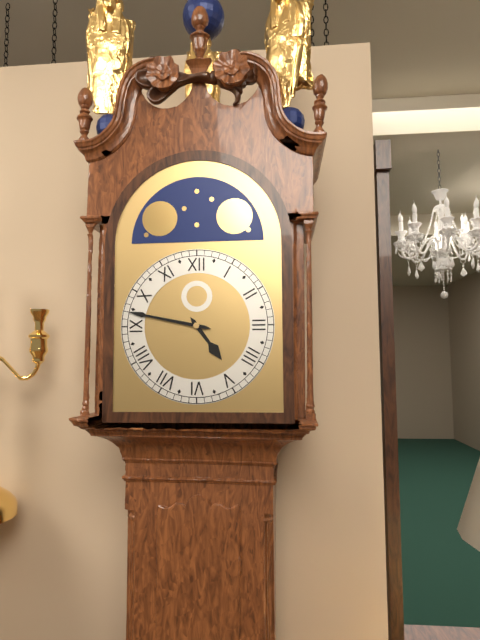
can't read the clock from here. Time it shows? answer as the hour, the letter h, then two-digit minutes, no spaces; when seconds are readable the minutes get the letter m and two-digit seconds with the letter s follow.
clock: 4h47
